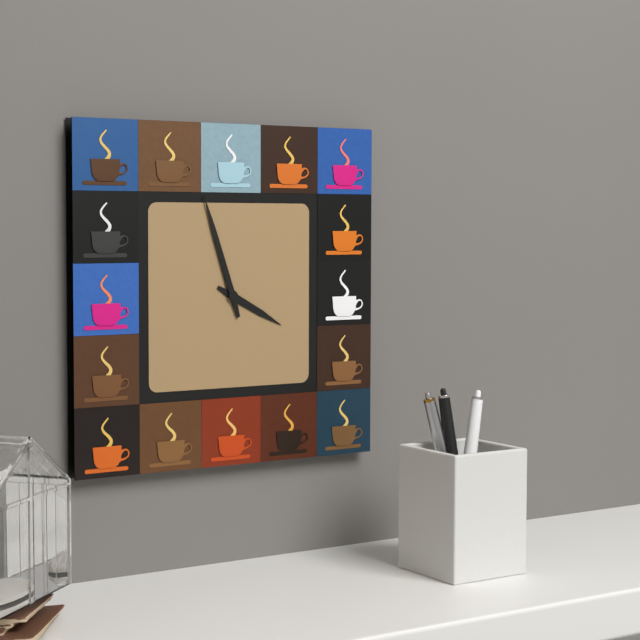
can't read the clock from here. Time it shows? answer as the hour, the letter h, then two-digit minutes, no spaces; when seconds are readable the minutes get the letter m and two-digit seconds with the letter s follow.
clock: 3h57
